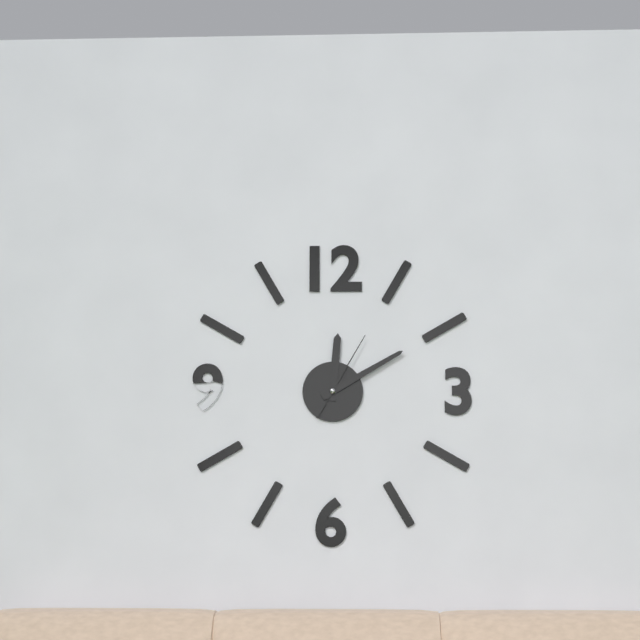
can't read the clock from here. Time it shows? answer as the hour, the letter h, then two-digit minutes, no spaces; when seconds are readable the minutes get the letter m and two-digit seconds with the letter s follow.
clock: 12h10m05s
